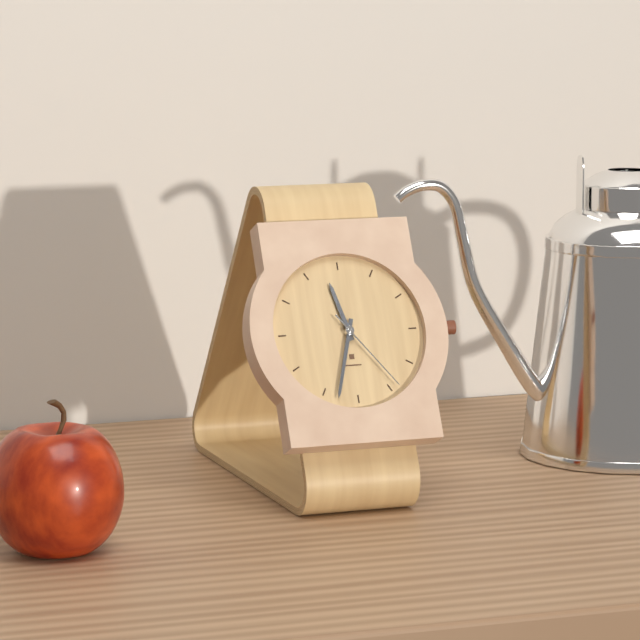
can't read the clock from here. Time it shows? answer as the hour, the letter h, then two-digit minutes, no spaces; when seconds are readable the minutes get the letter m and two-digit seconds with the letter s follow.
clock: 11h33m24s
